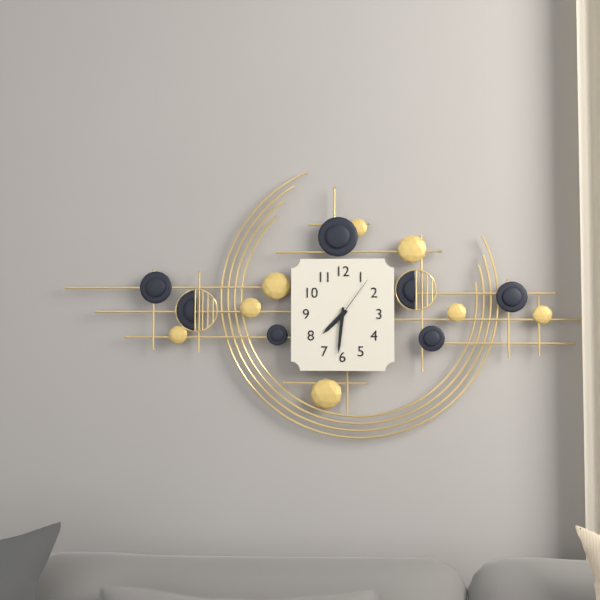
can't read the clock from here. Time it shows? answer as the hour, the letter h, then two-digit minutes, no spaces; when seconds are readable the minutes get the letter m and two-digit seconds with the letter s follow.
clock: 7h31m06s
